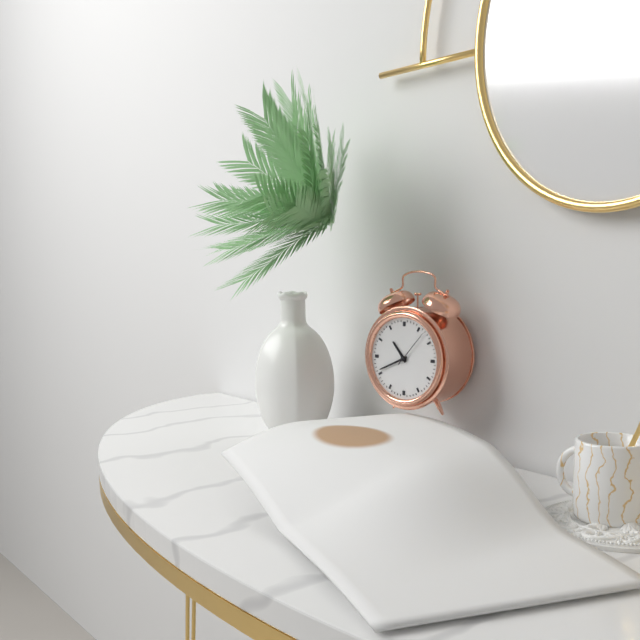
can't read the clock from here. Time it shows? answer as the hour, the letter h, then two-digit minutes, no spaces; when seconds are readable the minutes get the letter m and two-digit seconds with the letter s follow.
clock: 10h41
